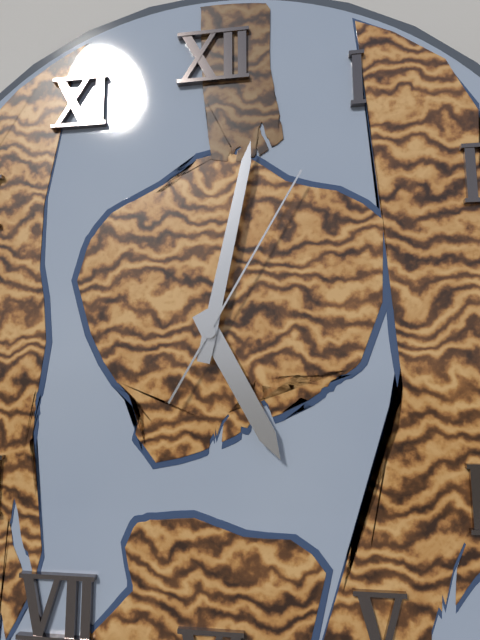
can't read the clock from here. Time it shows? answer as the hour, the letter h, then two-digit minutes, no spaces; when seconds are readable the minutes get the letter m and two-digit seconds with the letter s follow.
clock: 5h02m05s
